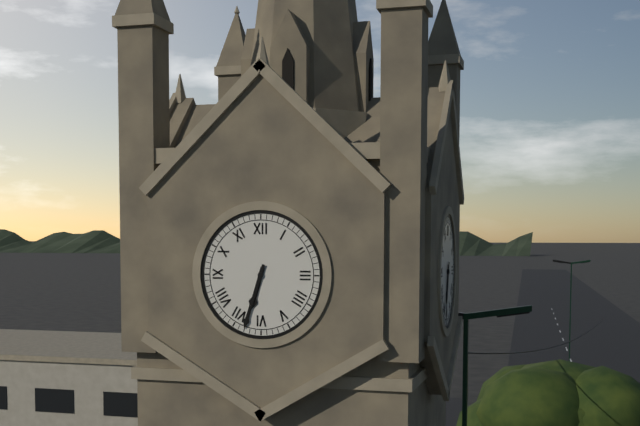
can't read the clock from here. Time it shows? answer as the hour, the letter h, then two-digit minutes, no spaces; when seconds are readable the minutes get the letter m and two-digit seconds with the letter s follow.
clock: 6h33
